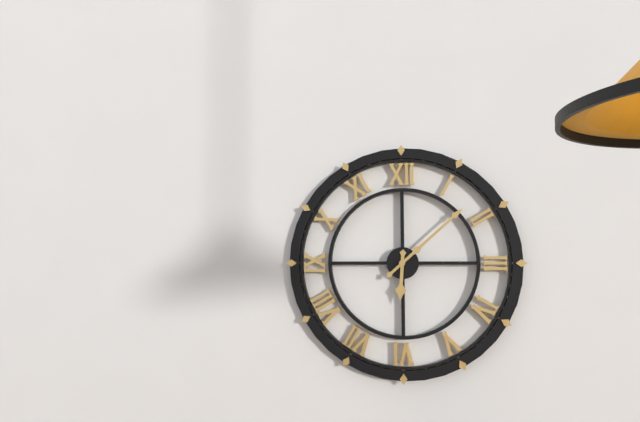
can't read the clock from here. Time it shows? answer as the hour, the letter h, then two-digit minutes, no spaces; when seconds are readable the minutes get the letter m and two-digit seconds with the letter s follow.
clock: 6h08
